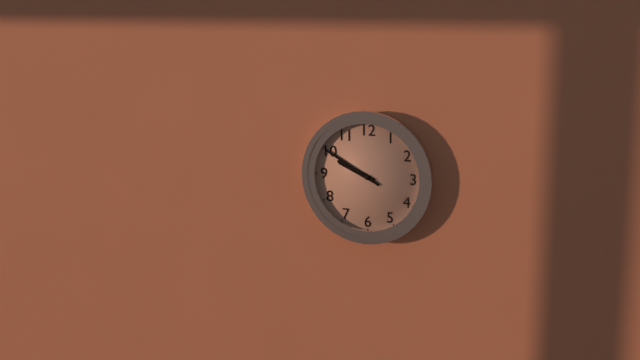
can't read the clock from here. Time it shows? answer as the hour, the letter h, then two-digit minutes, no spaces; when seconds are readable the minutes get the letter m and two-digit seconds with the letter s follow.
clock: 9h50
